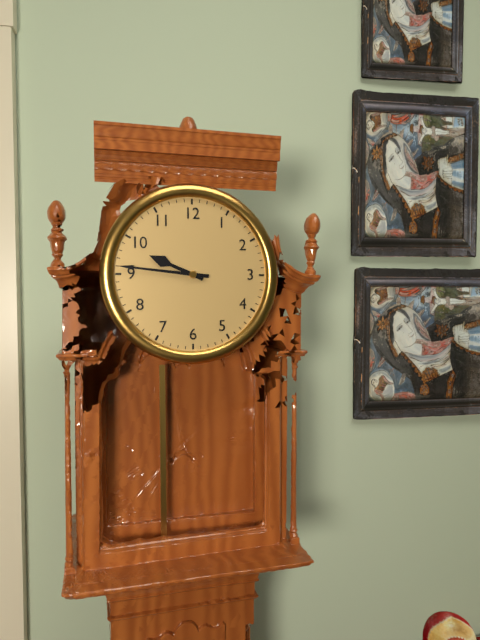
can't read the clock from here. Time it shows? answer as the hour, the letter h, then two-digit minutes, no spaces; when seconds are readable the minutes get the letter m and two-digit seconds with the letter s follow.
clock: 9h46
